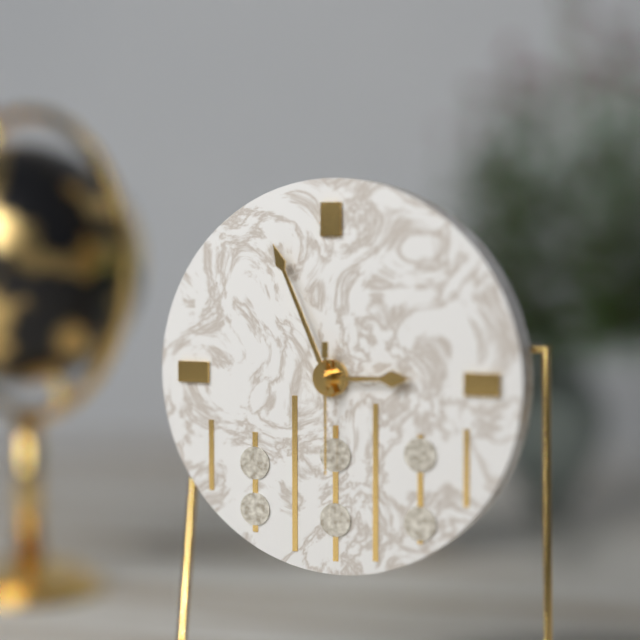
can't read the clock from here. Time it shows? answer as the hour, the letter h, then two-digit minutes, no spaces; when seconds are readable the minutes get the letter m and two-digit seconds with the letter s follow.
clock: 2h56m30s
